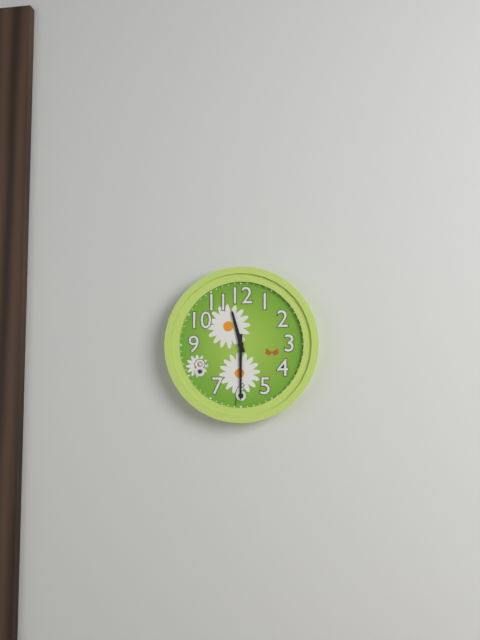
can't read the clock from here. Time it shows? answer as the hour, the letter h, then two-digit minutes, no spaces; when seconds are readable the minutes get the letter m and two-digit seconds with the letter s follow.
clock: 11h30
